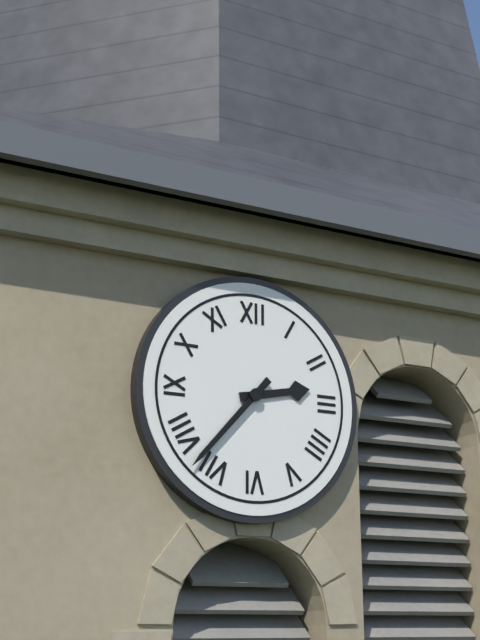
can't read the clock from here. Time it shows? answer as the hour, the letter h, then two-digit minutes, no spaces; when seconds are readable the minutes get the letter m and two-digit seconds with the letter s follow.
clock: 2h37
